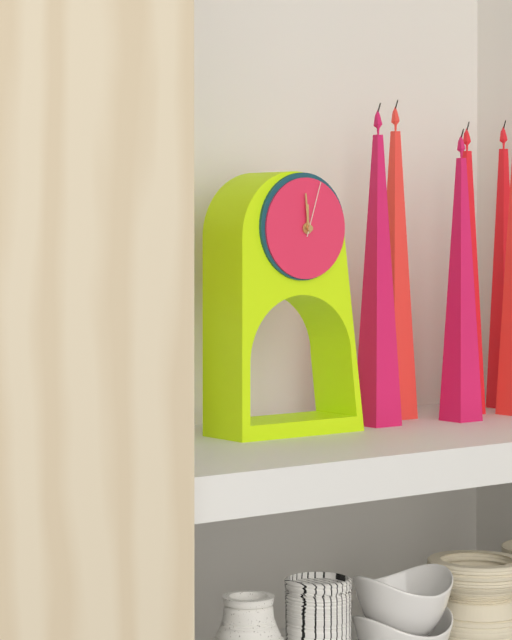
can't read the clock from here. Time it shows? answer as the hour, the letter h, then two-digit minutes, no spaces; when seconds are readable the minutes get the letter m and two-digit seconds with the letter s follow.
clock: 11h59m03s
